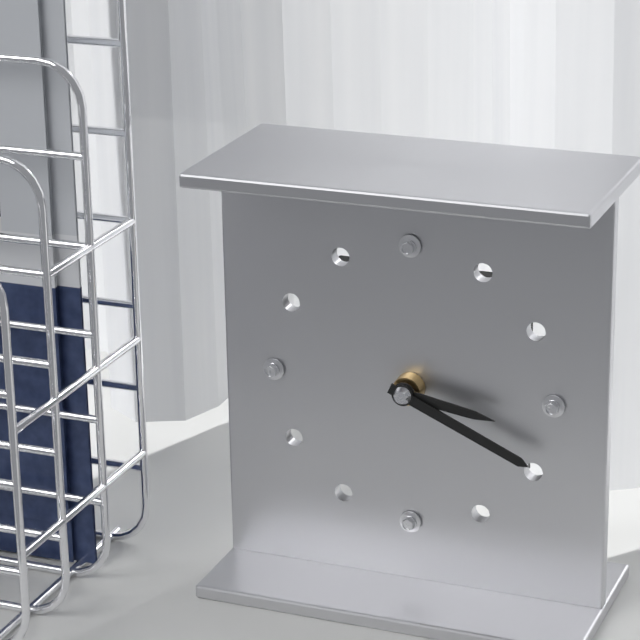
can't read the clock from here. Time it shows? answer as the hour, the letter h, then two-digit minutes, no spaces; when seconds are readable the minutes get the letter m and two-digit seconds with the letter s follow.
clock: 3h19
